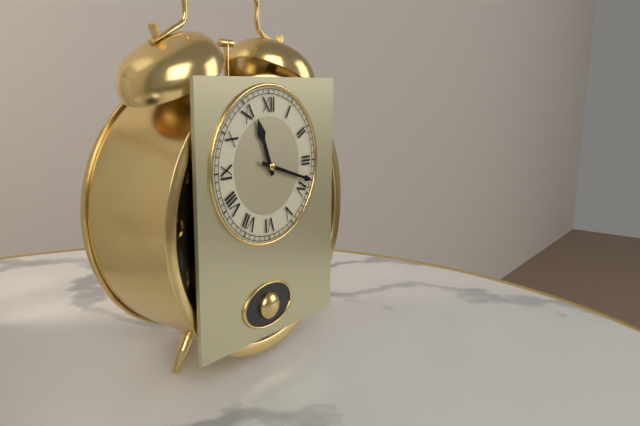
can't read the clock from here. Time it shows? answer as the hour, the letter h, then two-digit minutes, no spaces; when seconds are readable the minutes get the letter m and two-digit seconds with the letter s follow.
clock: 11h18
